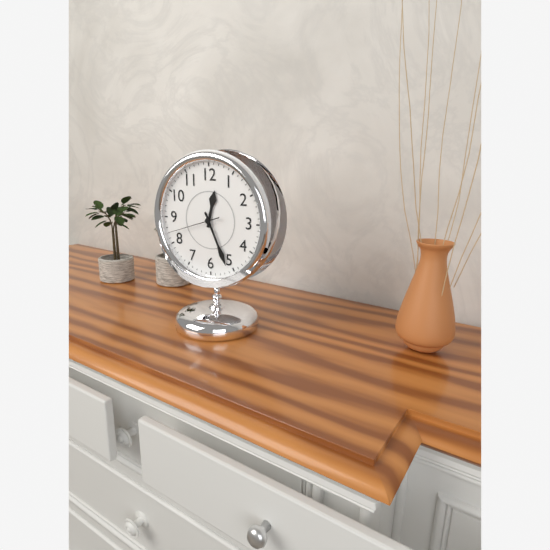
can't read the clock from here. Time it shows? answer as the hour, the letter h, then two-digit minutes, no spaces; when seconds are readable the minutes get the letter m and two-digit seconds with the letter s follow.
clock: 12h26m42s
